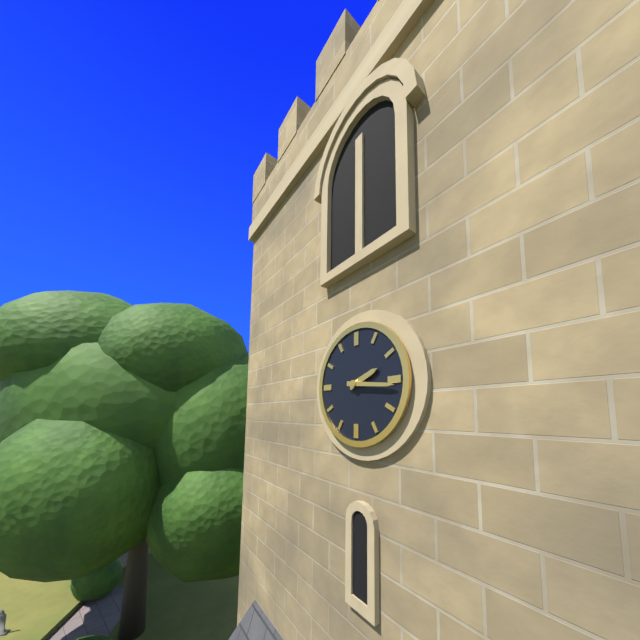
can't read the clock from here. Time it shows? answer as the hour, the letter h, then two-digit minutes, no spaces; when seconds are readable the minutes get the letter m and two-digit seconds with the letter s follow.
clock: 2h16
